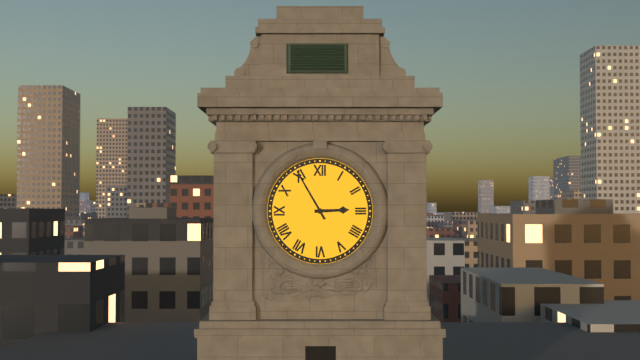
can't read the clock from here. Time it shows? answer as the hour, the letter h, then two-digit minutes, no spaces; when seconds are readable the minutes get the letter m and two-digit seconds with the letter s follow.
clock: 2h55
